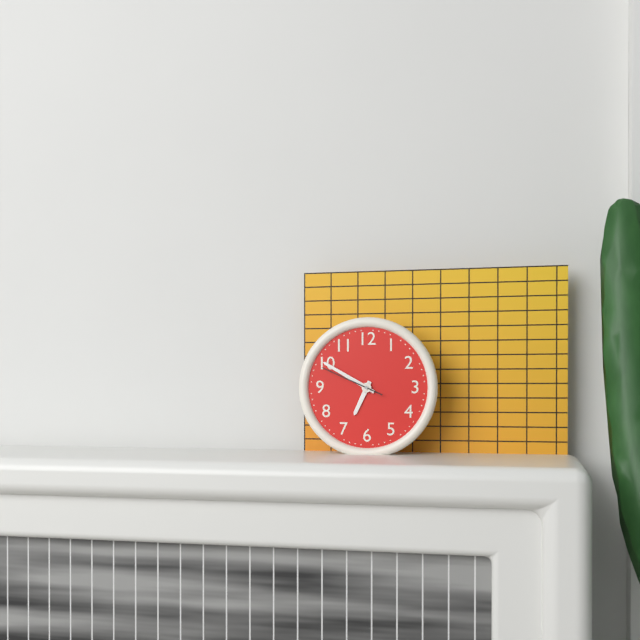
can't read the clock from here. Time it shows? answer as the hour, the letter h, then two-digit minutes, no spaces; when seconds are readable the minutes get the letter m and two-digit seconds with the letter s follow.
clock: 6h50m49s
